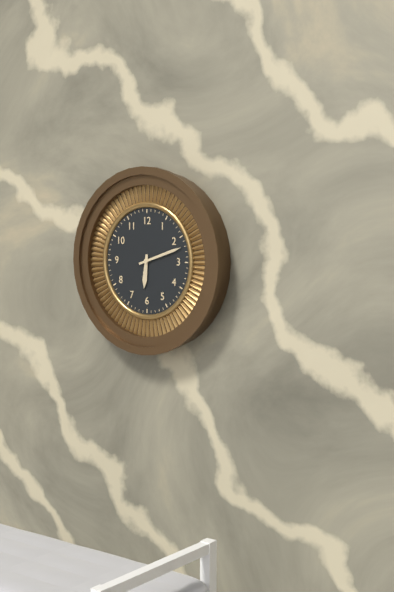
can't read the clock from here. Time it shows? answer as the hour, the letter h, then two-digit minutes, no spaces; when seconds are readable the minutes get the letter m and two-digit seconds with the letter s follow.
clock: 6h12
